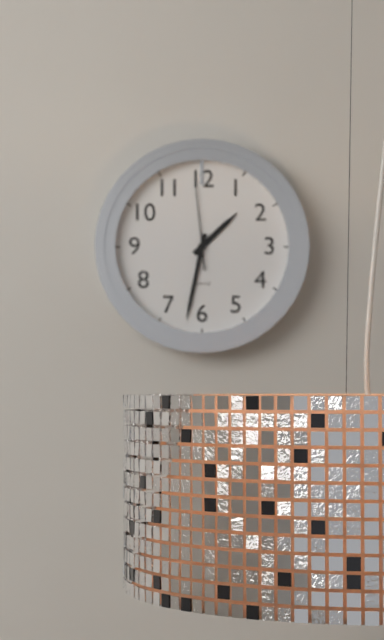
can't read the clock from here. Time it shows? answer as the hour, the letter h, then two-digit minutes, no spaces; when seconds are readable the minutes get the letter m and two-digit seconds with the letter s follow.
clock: 1h32m59s
